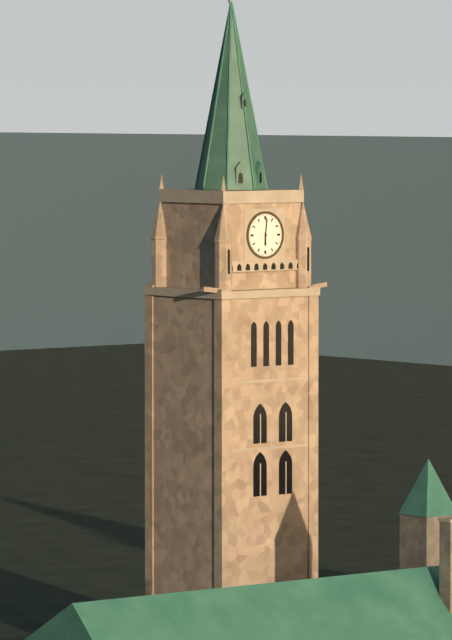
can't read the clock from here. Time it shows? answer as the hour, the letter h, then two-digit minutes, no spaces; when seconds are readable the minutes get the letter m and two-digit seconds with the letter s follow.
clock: 6h01
